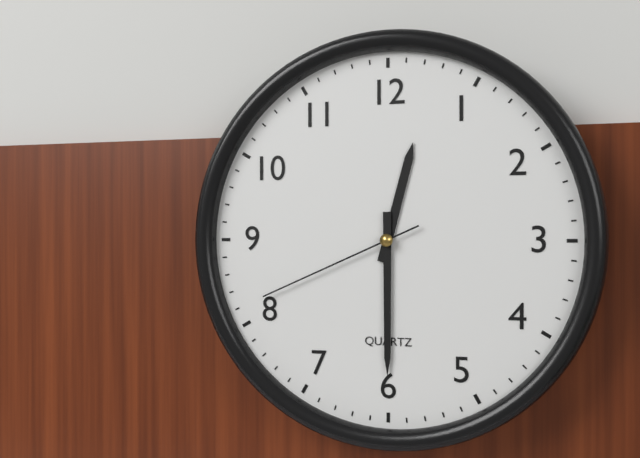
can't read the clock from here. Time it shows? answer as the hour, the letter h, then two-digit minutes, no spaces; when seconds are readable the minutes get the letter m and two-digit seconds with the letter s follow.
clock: 12h30m41s
